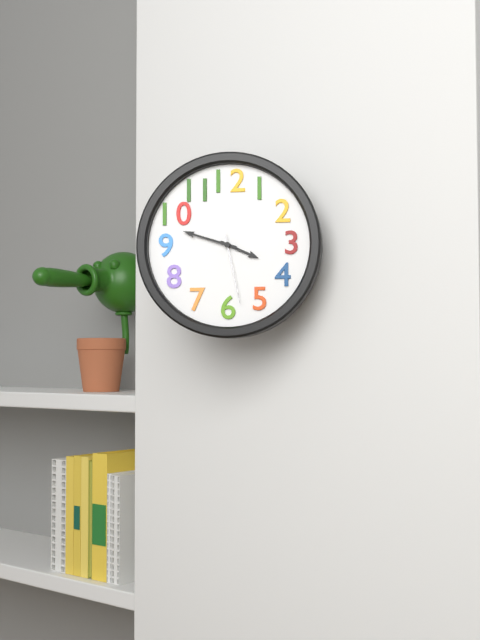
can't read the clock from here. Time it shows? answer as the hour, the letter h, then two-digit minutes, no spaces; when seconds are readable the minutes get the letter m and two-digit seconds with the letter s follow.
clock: 3h48m28s
